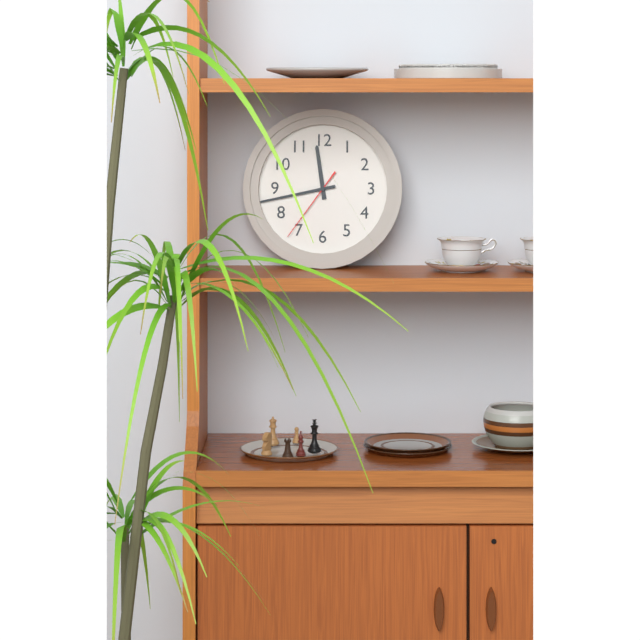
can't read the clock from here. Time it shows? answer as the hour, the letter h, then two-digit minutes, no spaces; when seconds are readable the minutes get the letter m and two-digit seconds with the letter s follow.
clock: 11h43m36s
